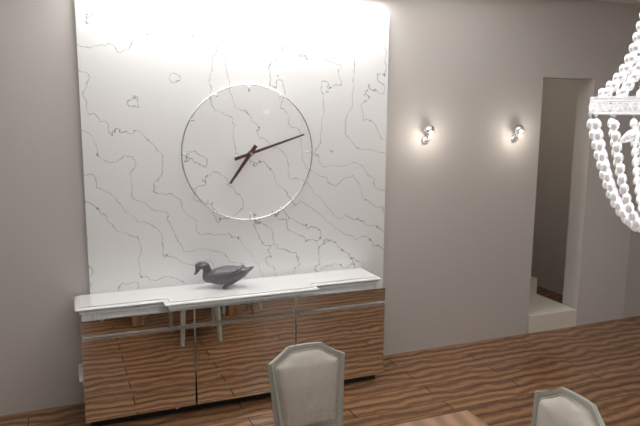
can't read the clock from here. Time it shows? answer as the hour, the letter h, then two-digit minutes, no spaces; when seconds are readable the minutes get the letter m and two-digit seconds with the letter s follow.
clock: 7h12
